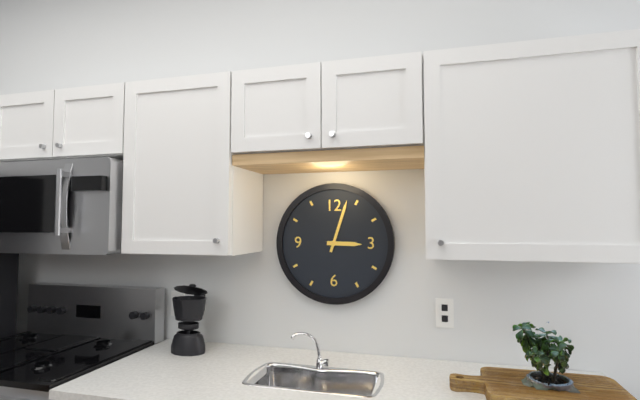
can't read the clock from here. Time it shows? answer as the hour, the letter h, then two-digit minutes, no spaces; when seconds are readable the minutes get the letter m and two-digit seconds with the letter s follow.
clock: 3h03
